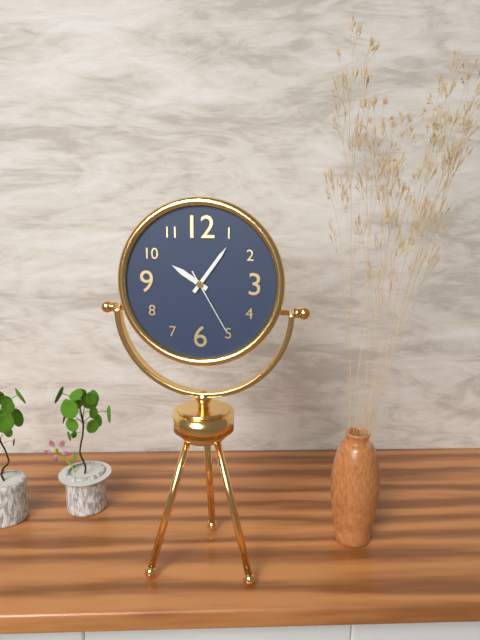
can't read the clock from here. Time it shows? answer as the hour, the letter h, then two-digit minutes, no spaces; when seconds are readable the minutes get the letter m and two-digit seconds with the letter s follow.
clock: 10h06m25s
